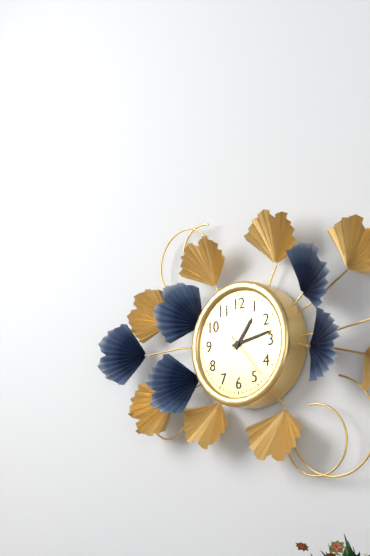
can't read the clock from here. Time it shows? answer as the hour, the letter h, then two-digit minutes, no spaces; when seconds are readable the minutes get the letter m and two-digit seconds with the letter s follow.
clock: 1h13
